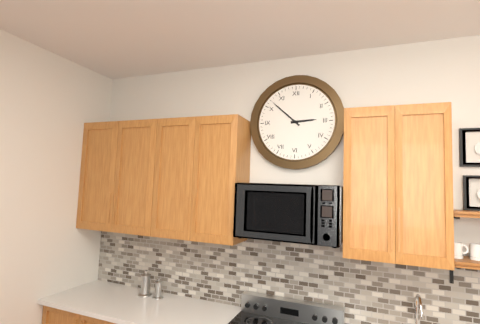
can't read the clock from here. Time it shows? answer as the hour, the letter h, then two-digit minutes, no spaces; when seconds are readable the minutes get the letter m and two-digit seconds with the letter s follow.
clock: 2h52
